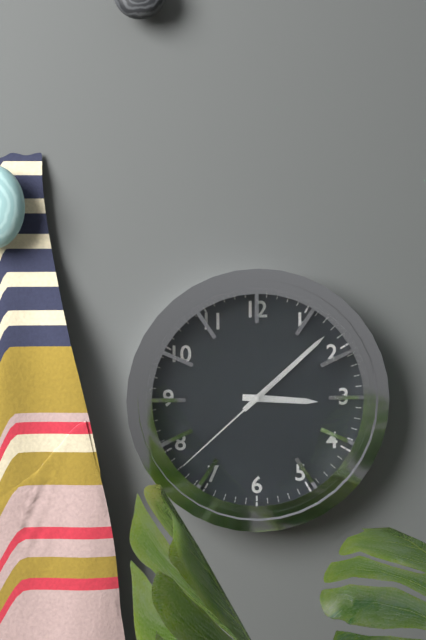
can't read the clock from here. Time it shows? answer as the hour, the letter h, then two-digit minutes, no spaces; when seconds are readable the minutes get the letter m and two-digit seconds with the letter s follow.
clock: 3h08m38s
